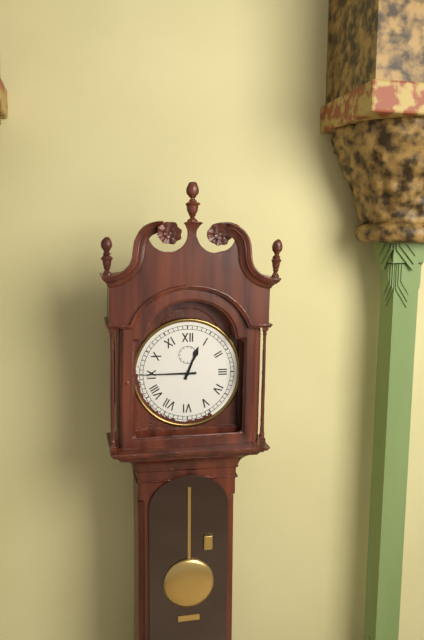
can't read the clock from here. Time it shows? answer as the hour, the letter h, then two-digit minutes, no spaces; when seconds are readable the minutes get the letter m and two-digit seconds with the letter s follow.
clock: 12h45
